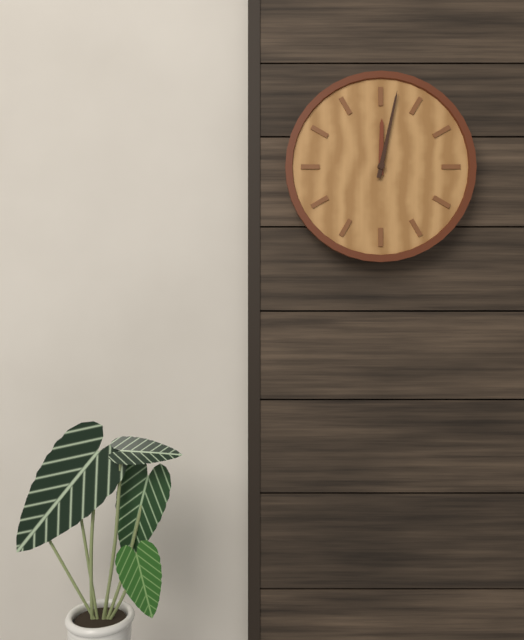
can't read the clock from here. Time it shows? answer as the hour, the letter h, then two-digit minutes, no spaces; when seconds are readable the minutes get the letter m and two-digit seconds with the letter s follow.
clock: 12h02
